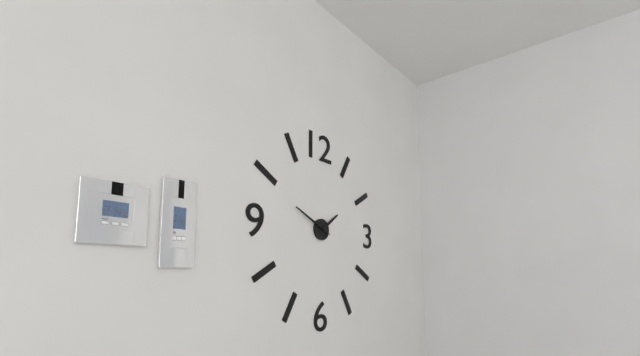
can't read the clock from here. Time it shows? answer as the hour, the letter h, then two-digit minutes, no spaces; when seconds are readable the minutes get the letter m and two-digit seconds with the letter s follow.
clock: 1h49
